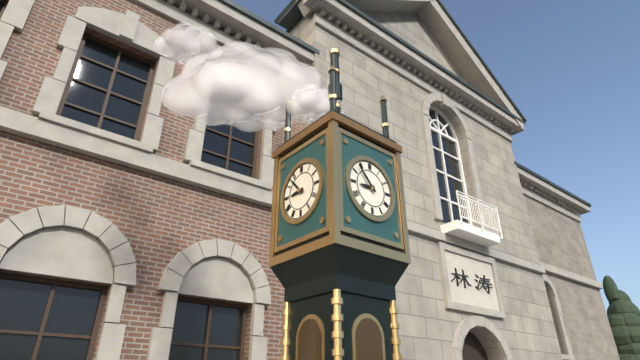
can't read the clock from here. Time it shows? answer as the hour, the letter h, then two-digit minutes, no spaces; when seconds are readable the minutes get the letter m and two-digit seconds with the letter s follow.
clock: 8h53
